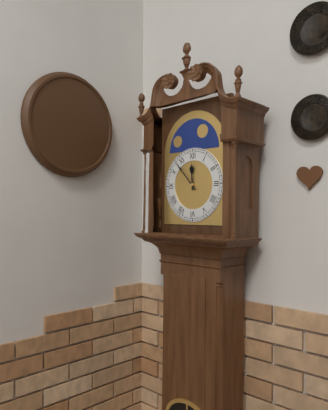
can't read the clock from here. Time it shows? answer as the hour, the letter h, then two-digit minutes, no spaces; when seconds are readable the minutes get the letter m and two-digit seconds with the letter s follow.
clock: 11h53
